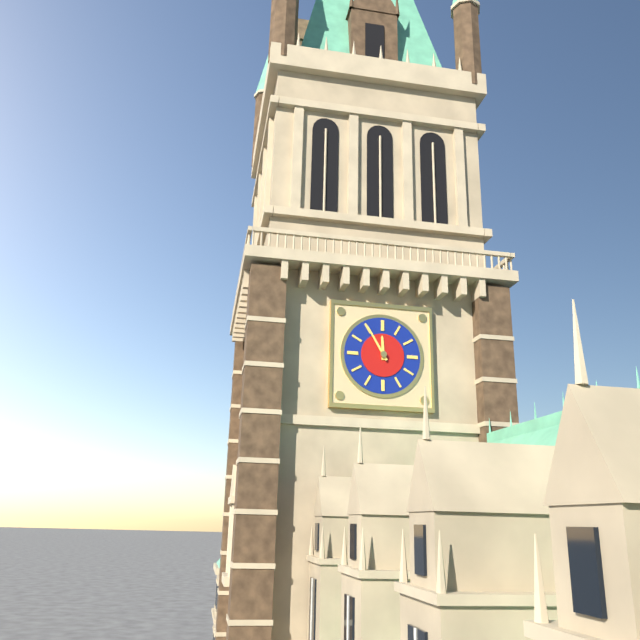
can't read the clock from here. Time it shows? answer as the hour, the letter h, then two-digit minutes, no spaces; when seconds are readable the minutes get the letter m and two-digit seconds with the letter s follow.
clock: 11h55
